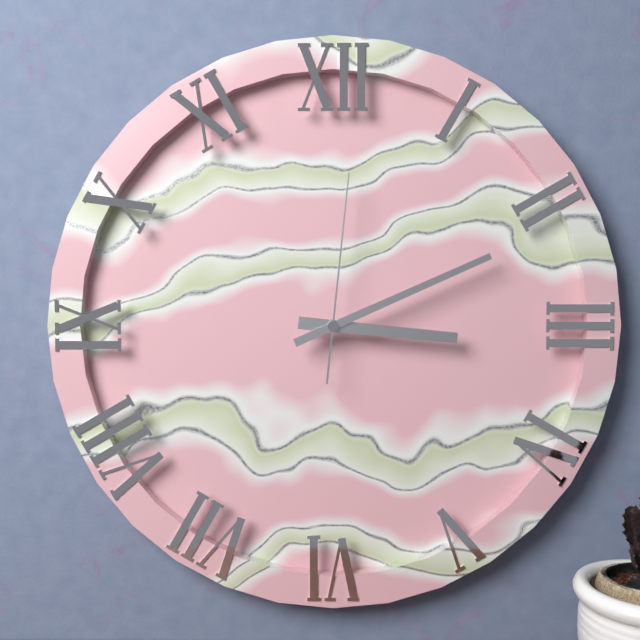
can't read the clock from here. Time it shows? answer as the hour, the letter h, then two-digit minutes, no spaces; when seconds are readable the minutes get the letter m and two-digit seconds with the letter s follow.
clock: 3h11m01s
